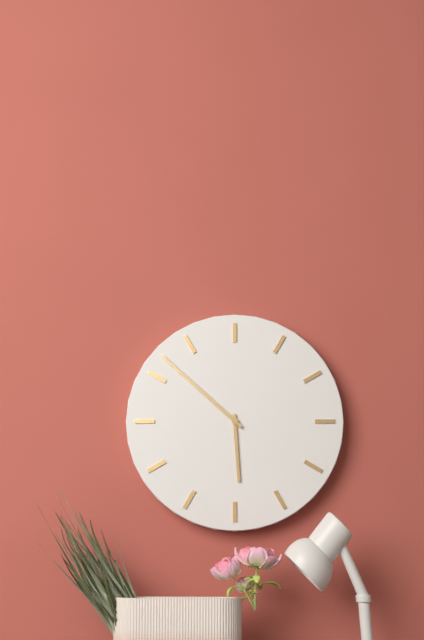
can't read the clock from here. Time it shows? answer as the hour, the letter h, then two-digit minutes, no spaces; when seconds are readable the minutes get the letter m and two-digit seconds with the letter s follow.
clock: 5h52
